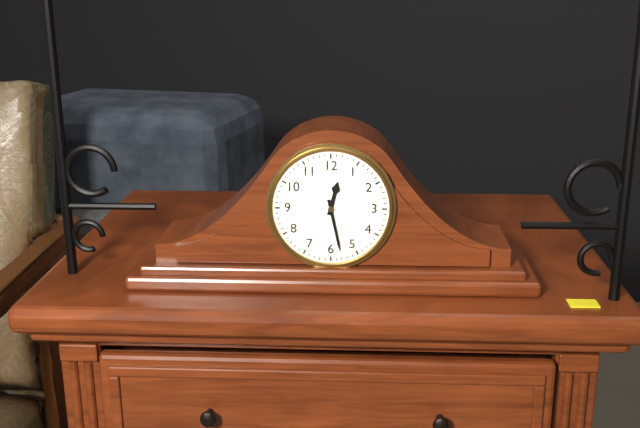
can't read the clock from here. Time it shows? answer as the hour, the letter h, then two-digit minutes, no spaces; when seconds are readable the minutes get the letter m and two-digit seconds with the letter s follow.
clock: 12h28
